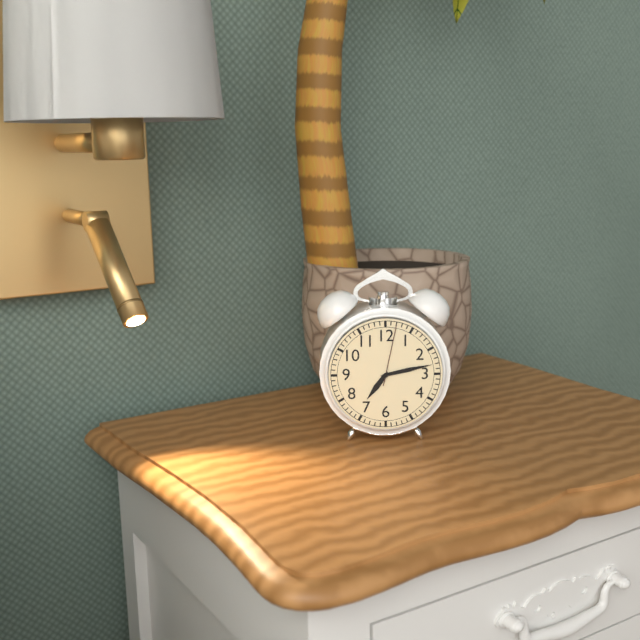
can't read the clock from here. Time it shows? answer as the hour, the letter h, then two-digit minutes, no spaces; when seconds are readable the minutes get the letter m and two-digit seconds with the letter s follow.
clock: 7h13m02s
